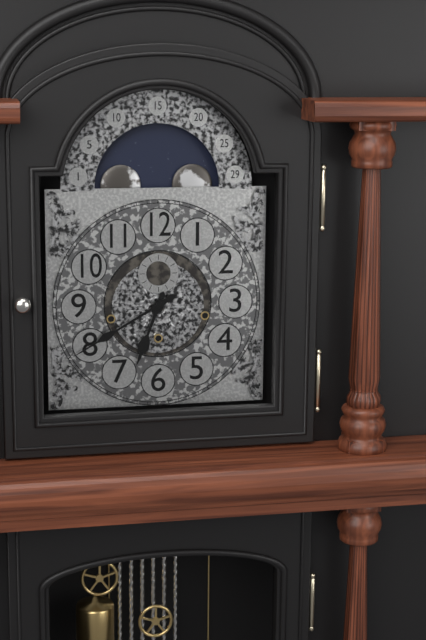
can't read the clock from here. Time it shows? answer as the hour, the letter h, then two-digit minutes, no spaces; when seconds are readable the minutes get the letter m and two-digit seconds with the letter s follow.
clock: 6h40
